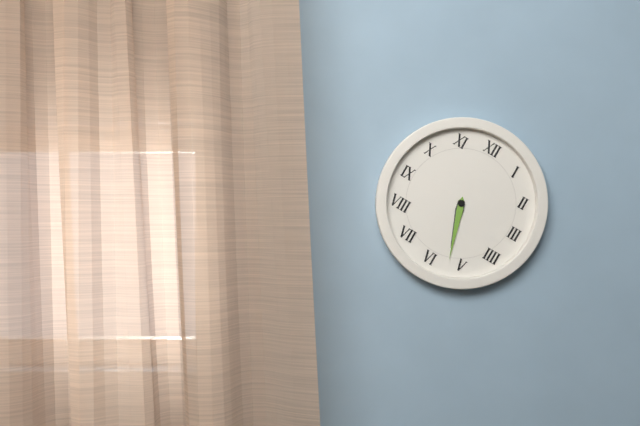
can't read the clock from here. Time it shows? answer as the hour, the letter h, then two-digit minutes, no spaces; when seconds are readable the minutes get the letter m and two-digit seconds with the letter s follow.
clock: 5h27
